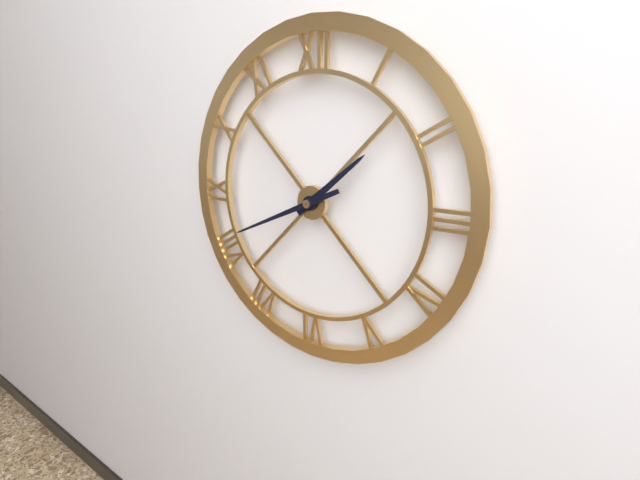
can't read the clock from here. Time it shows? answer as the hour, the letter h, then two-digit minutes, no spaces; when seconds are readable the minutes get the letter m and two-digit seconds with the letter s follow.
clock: 1h41
